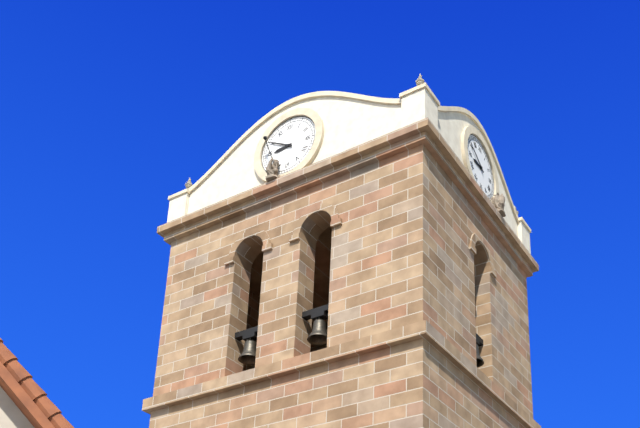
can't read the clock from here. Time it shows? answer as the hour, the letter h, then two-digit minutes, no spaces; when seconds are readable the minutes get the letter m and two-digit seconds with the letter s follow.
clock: 8h50
